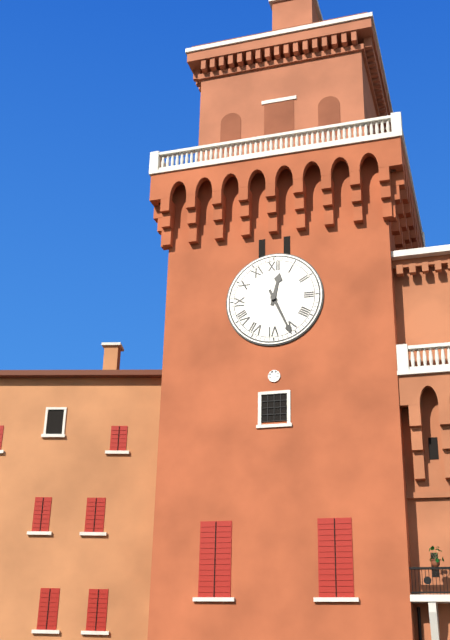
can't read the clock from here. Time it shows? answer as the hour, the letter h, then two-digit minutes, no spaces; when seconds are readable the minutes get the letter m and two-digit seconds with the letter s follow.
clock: 12h26
